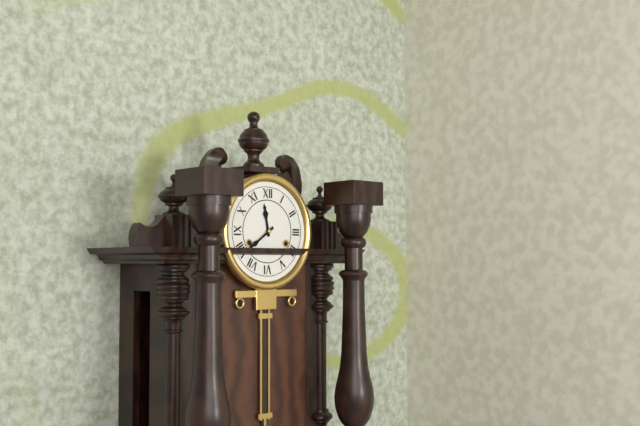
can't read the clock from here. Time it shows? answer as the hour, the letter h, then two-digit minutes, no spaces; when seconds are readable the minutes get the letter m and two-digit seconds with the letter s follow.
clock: 11h39
